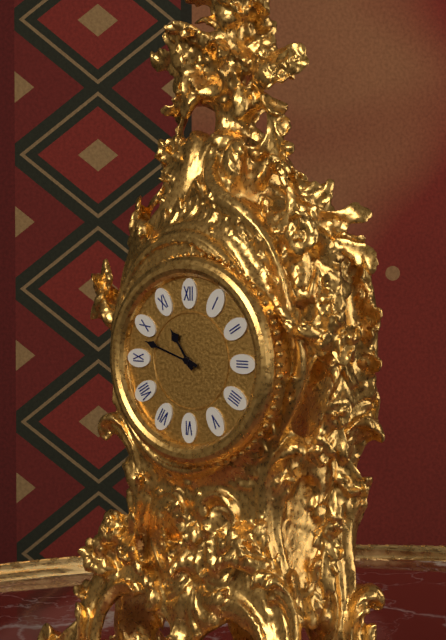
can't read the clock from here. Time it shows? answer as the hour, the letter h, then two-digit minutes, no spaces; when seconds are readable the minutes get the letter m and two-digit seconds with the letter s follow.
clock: 10h48
